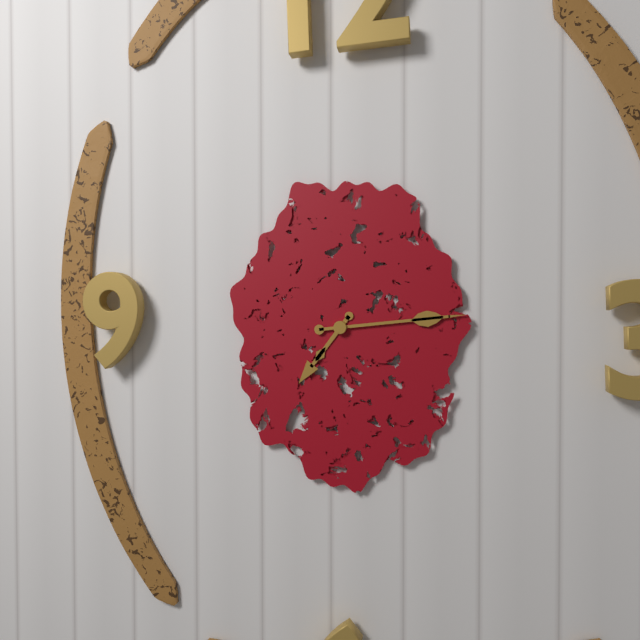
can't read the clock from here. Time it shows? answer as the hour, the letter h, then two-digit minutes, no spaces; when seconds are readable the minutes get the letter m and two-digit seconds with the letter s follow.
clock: 7h14
